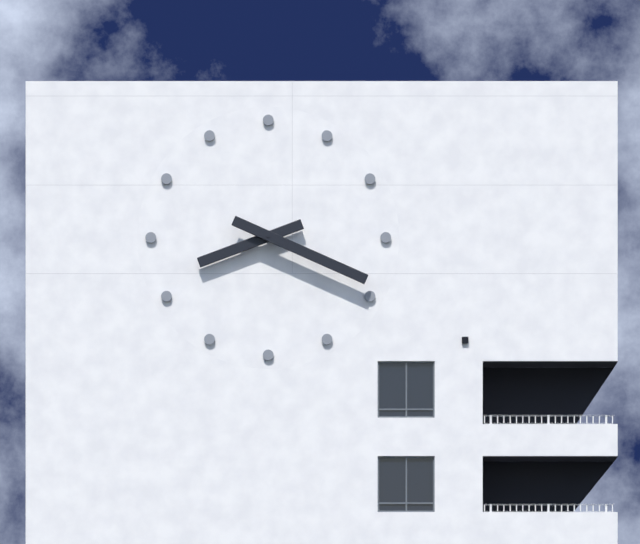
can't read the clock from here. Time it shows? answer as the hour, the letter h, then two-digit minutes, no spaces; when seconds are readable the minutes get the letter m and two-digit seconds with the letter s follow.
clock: 8h19
